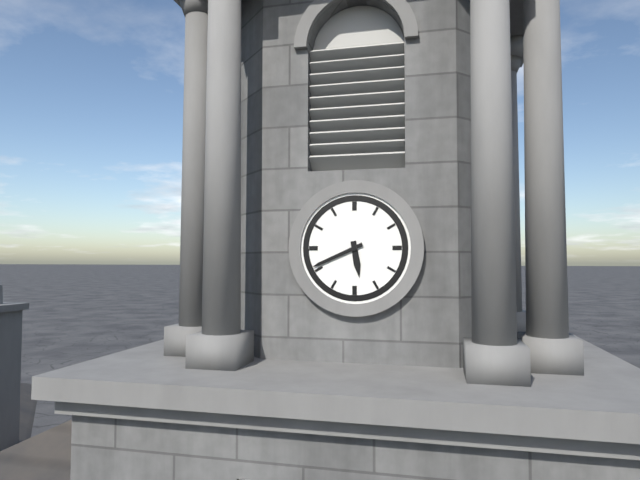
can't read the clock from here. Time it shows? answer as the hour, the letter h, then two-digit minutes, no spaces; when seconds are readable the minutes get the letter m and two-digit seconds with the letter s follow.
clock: 5h41
